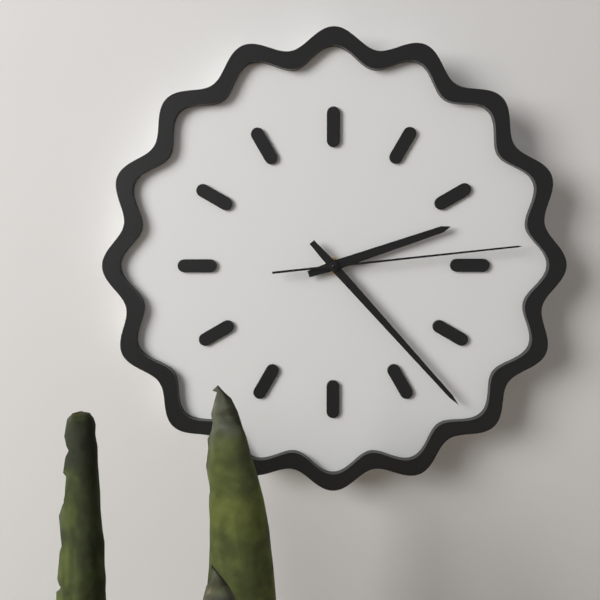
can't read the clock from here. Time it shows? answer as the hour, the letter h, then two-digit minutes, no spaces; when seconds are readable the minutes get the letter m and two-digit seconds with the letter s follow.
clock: 2h23m14s
